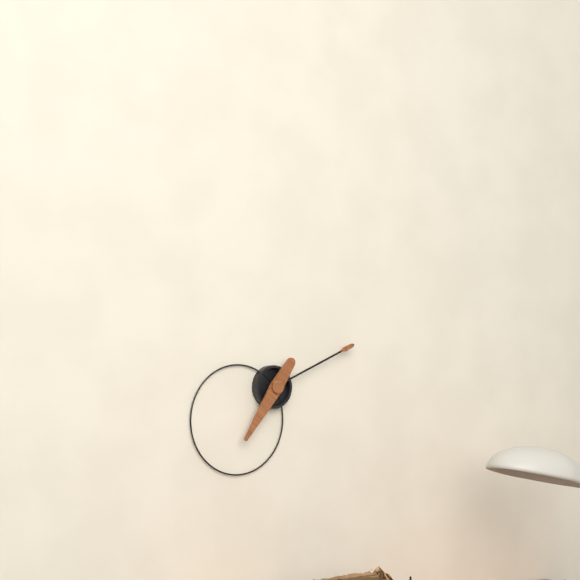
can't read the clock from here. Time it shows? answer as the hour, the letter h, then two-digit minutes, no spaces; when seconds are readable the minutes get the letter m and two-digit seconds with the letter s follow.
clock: 7h11
